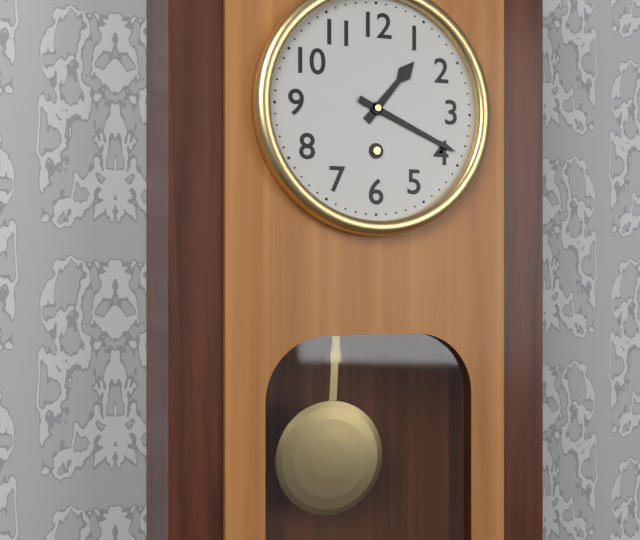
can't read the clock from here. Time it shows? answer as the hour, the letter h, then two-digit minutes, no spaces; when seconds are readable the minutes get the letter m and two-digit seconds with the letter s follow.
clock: 1h19
